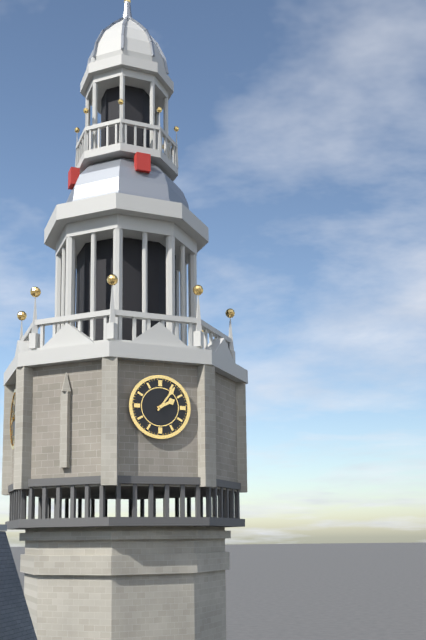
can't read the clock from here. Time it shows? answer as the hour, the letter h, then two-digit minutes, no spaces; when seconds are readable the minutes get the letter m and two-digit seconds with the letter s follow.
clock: 2h06
